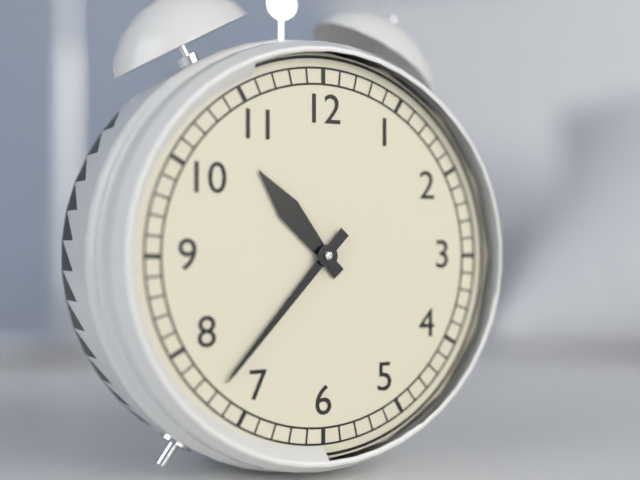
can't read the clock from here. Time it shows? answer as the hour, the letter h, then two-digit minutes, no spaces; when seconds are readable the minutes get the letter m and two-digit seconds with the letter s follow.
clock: 10h37
